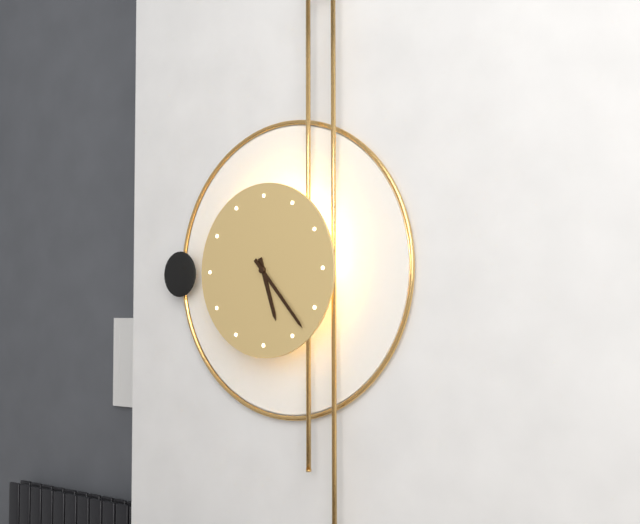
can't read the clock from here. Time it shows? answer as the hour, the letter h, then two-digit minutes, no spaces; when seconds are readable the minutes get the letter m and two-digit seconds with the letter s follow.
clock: 5h23
